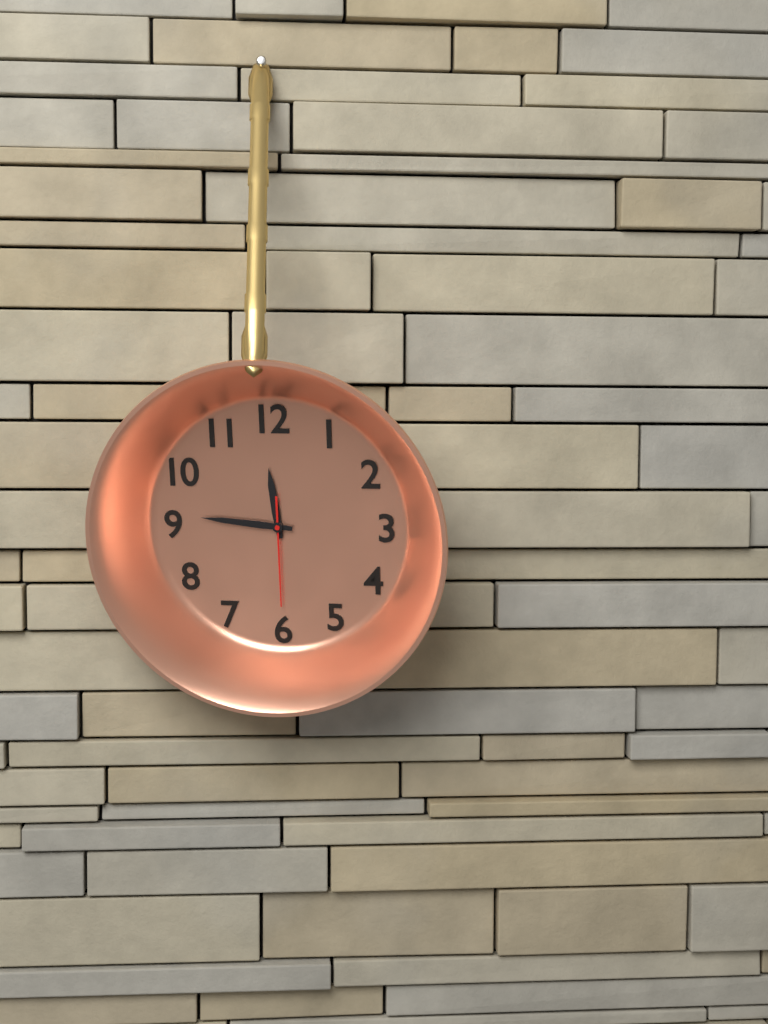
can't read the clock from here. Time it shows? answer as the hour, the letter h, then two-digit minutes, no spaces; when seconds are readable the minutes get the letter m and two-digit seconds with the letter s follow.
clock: 11h46m30s
